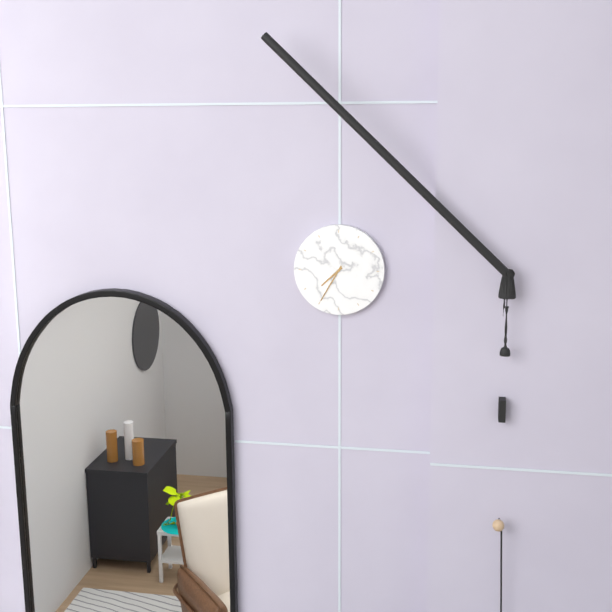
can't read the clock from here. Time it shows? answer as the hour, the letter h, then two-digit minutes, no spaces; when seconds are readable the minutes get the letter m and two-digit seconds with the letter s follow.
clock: 7h35
